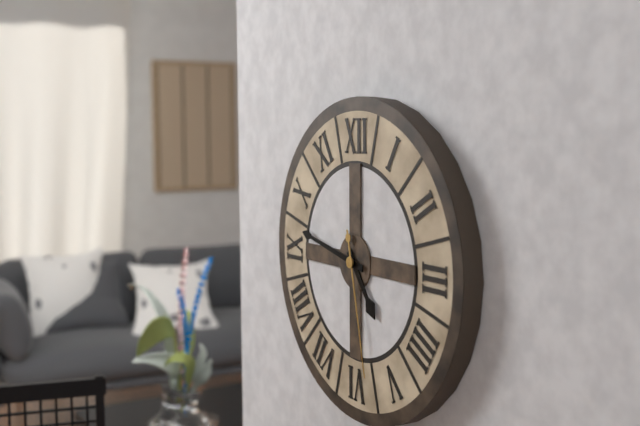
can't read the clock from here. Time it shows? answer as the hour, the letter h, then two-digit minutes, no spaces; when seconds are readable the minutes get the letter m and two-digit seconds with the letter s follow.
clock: 4h47m28s
